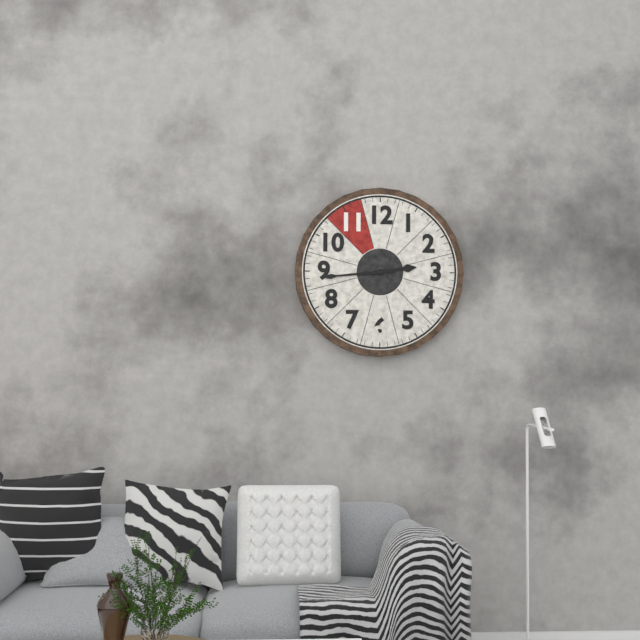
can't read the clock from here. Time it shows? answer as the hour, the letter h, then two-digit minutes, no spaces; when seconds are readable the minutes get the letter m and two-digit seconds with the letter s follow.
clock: 2h44
